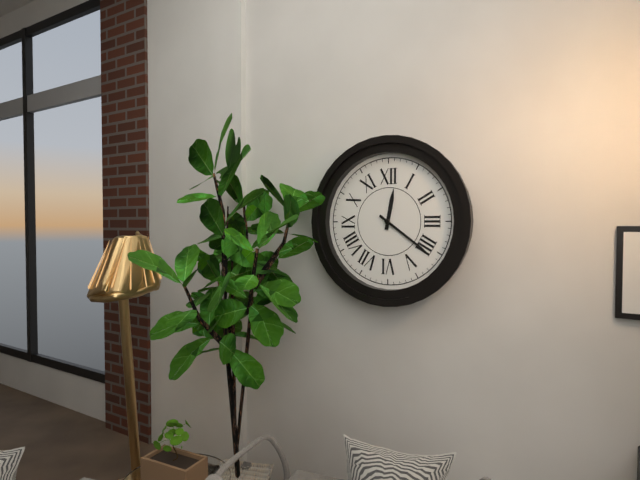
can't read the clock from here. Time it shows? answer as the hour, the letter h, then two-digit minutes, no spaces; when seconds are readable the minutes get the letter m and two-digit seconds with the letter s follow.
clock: 12h21
